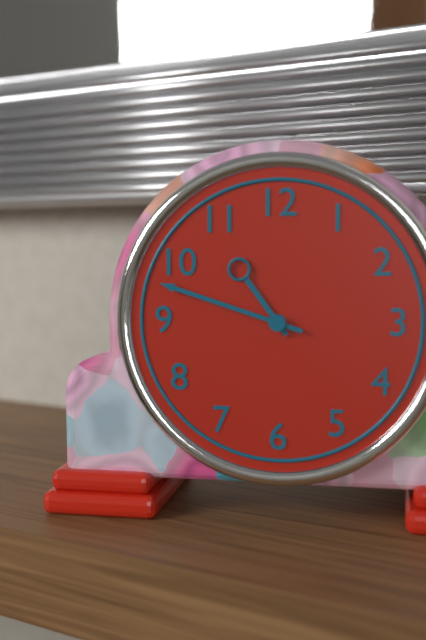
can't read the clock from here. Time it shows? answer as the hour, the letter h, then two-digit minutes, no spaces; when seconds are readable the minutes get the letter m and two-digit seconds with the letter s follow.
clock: 10h48
